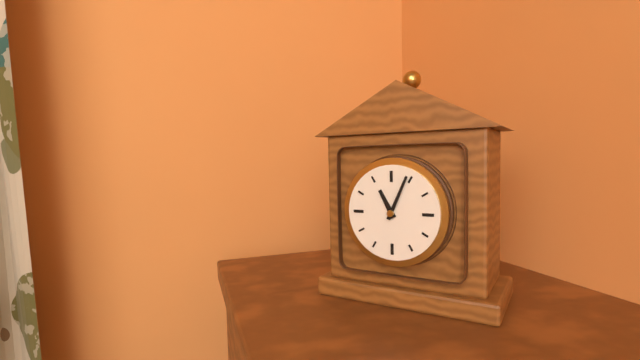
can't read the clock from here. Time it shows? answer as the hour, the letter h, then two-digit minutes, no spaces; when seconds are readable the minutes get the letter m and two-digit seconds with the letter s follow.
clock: 11h04
